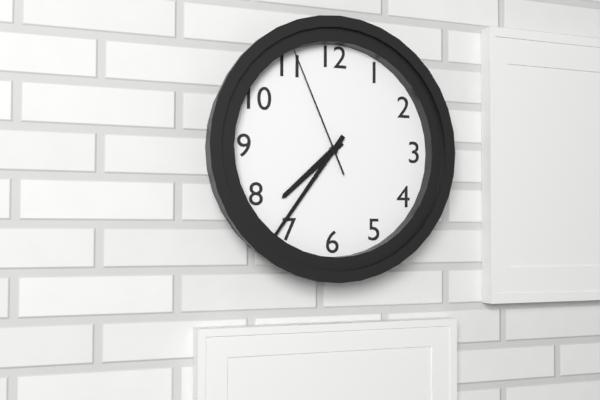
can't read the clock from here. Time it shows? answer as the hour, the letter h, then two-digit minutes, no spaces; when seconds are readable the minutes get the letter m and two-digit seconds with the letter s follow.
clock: 7h36m56s
